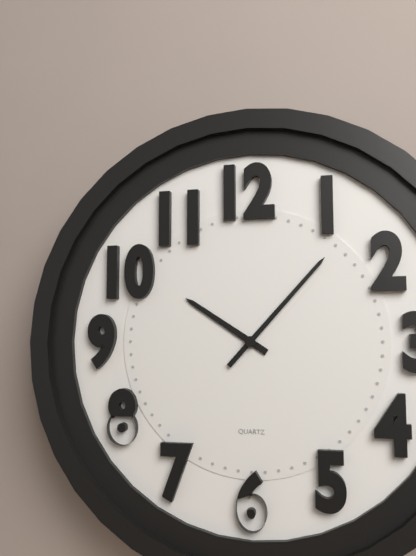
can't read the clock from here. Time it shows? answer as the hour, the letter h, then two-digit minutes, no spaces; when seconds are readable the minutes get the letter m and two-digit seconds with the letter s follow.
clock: 10h07
